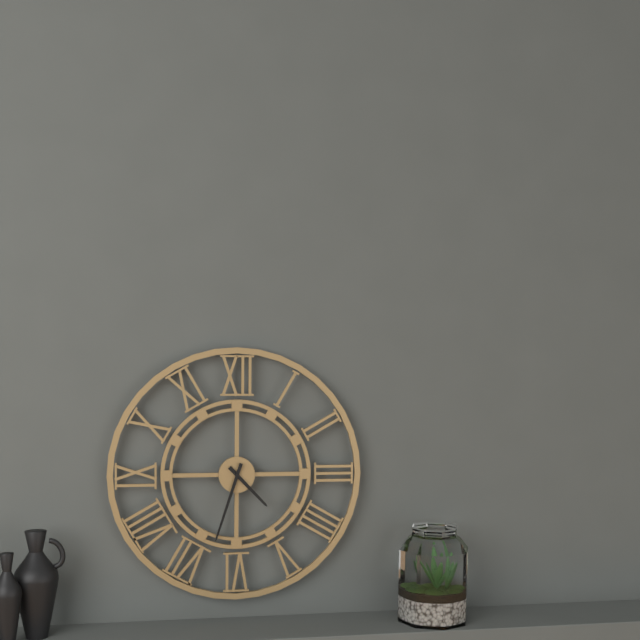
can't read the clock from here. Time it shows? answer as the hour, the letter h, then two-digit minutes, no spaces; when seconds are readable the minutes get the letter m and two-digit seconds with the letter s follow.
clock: 4h33
